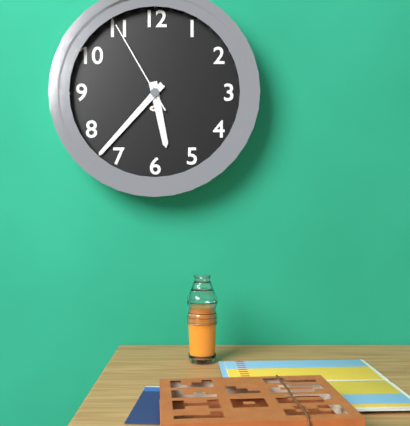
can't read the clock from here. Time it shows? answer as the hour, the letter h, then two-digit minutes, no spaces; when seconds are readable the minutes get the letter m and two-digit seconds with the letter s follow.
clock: 5h37m55s
